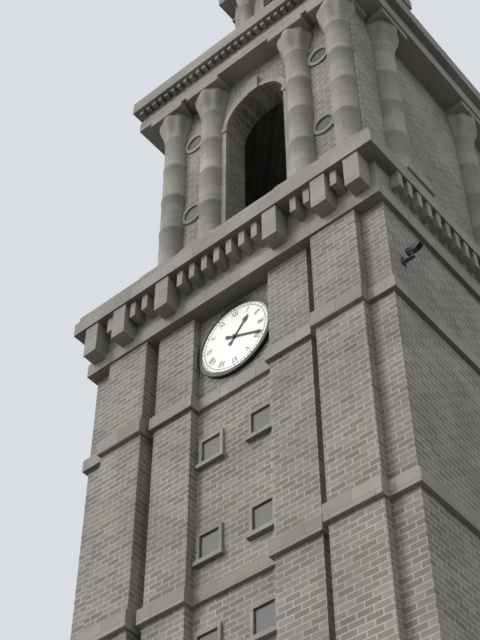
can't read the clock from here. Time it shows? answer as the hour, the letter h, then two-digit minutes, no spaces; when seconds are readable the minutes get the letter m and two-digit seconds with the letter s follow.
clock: 1h19
